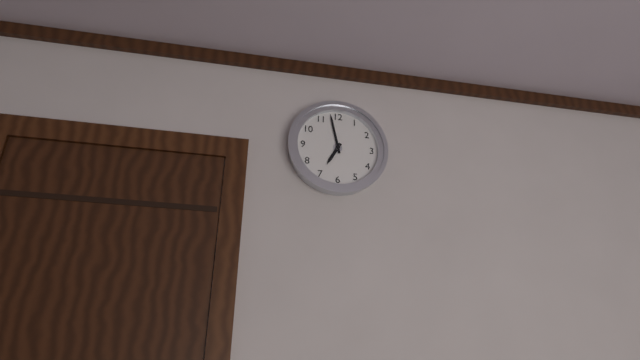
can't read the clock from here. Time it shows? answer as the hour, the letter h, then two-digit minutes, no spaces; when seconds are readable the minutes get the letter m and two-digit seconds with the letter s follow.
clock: 6h58
